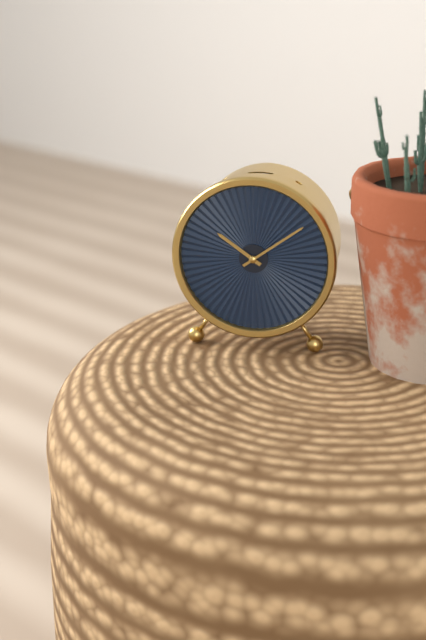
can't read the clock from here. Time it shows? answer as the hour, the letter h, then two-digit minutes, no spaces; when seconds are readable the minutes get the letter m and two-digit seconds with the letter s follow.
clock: 10h09
